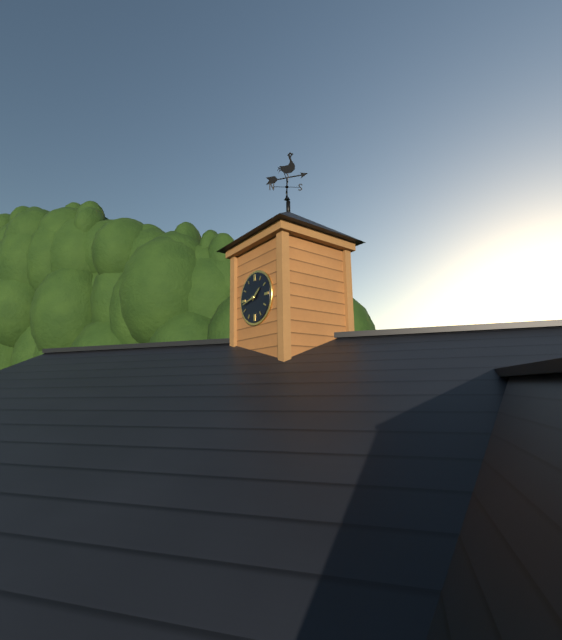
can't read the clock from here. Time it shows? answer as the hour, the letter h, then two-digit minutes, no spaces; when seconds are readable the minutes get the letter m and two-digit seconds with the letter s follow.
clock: 1h43
